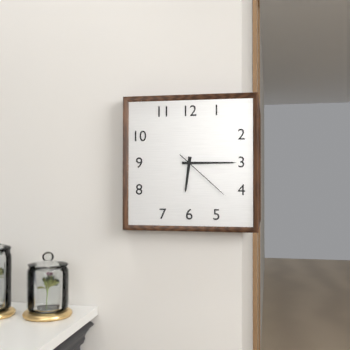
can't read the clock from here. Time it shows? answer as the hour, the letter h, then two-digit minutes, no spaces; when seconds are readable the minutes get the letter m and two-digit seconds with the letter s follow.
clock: 6h15m22s
